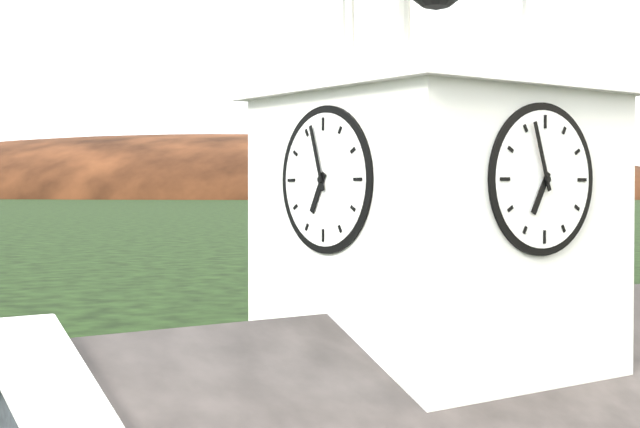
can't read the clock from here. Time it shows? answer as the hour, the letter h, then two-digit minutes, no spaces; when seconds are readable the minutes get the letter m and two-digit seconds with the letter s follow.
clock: 6h57
